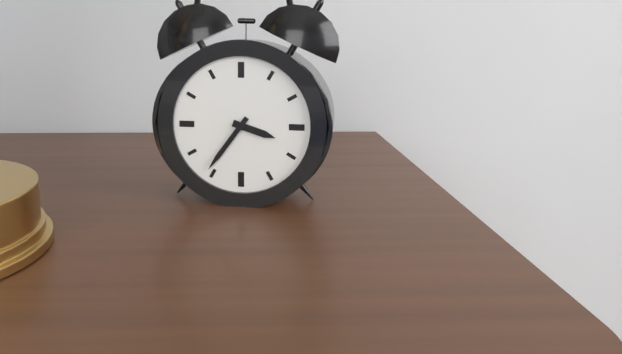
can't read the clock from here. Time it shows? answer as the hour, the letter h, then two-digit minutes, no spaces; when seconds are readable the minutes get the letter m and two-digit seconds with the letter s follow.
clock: 3h36
